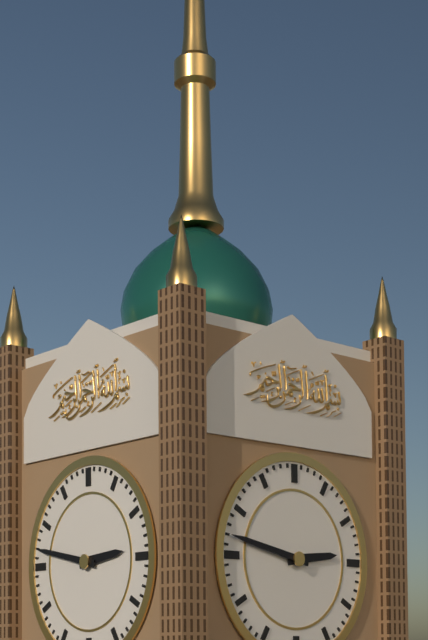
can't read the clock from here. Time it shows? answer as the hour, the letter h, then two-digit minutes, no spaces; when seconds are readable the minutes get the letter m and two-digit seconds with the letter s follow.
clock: 2h47
